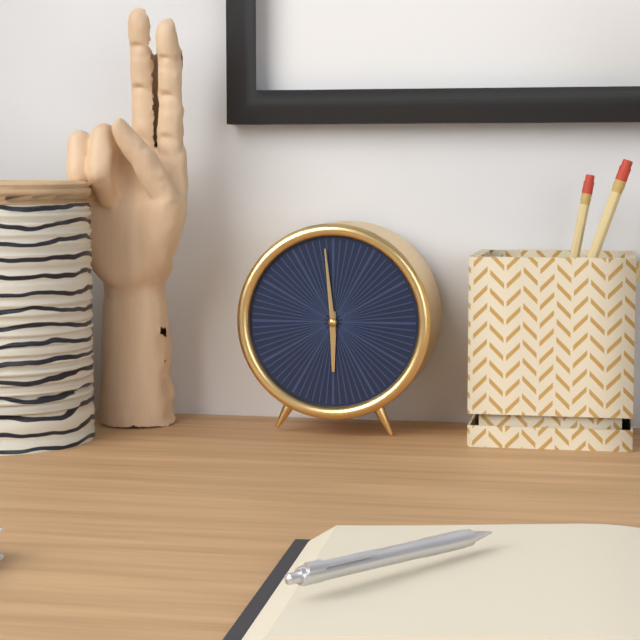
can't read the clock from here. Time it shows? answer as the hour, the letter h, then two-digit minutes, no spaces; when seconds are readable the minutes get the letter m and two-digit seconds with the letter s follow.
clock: 5h59
